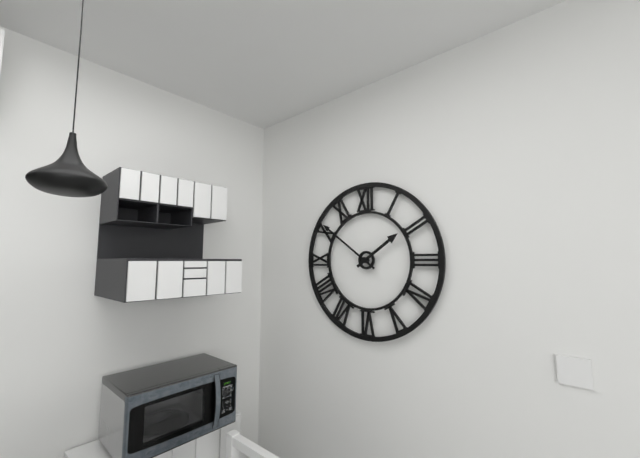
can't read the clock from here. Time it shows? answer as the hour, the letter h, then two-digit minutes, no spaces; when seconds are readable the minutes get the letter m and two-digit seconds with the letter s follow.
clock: 1h51
